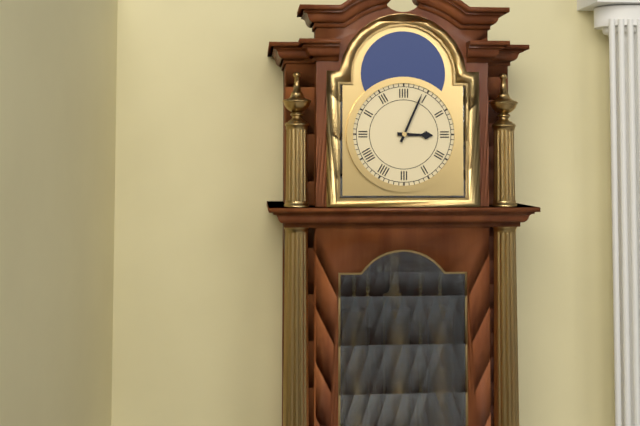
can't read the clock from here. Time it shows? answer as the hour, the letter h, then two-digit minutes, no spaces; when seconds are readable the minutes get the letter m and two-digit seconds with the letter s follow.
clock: 3h04
